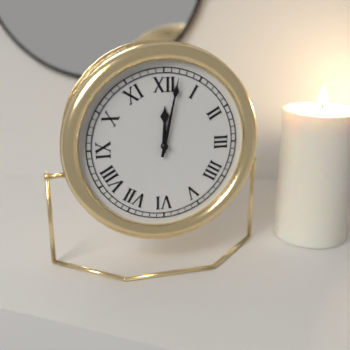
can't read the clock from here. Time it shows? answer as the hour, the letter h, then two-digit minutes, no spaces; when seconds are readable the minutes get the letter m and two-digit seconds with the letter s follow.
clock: 12h02
